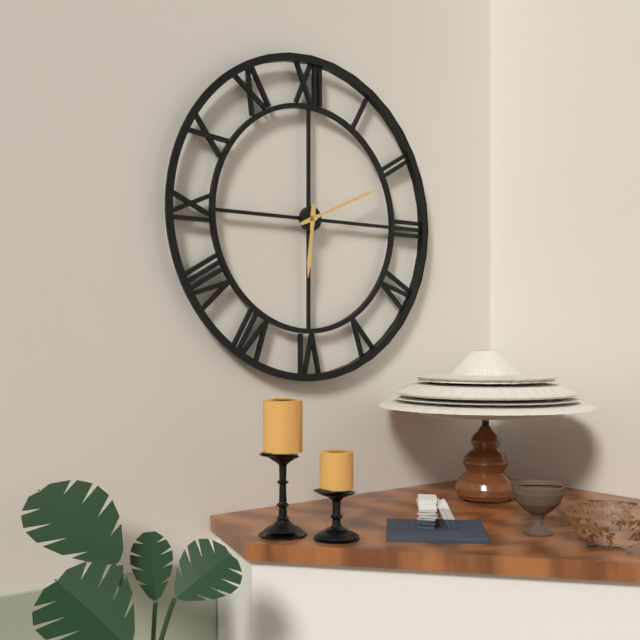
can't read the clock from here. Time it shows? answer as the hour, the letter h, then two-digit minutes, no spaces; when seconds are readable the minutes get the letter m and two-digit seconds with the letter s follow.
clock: 6h11
